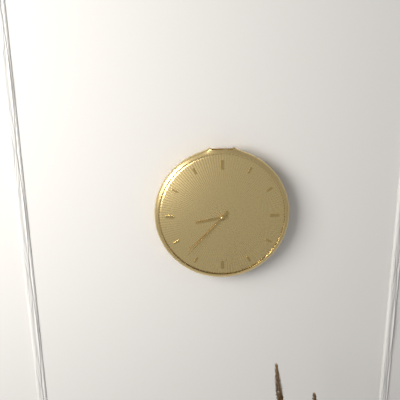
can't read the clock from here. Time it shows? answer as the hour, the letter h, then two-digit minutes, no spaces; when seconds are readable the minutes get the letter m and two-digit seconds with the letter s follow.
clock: 8h37
